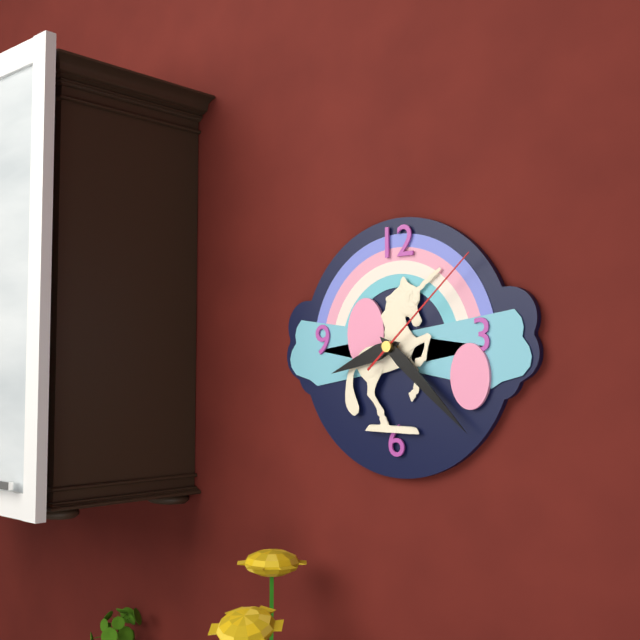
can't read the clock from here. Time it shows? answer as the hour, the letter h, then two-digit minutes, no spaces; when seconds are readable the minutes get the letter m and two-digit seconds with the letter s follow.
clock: 8h22m08s
